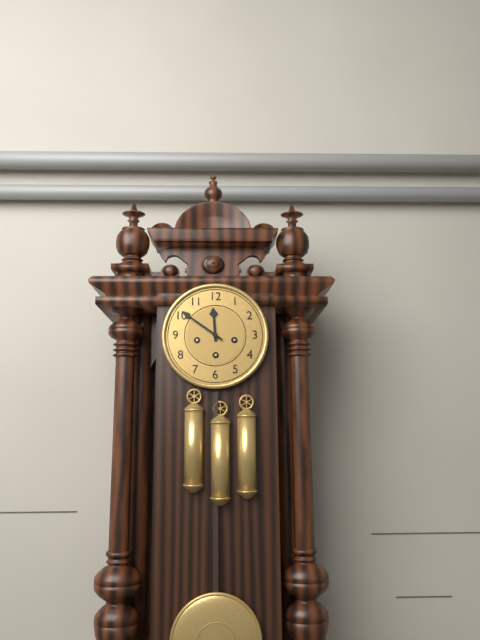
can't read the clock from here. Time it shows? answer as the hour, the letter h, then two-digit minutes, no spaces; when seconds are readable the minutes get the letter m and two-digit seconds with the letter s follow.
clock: 11h51
